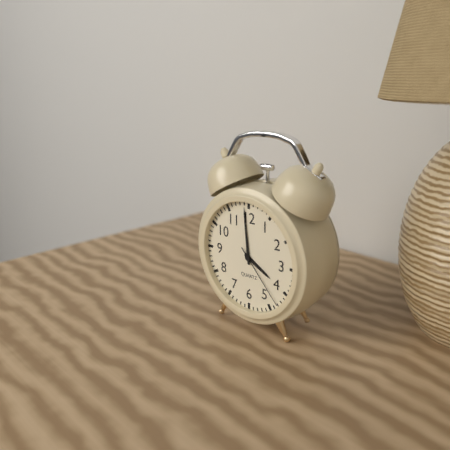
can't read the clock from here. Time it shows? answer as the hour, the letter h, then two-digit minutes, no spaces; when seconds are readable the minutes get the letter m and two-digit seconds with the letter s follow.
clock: 3h59m23s
